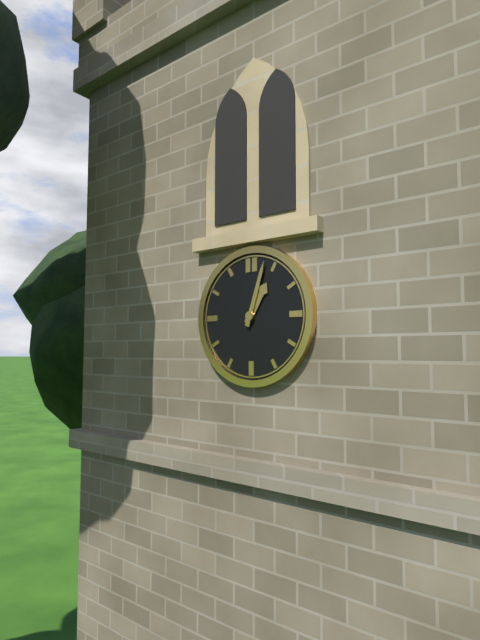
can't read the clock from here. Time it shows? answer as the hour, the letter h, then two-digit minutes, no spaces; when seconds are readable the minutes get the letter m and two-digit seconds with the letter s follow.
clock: 1h03
